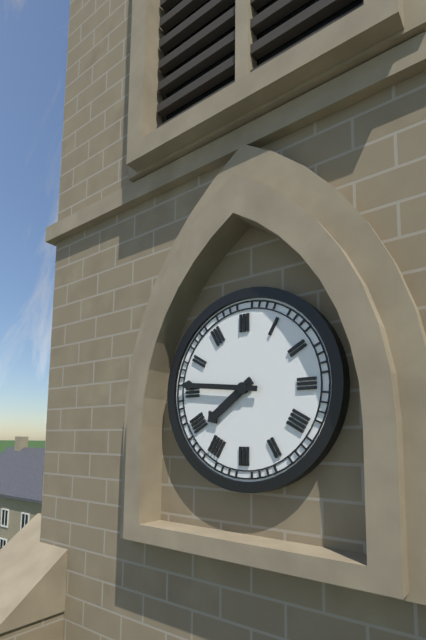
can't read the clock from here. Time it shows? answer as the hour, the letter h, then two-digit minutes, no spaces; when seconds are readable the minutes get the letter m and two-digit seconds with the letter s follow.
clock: 7h46
